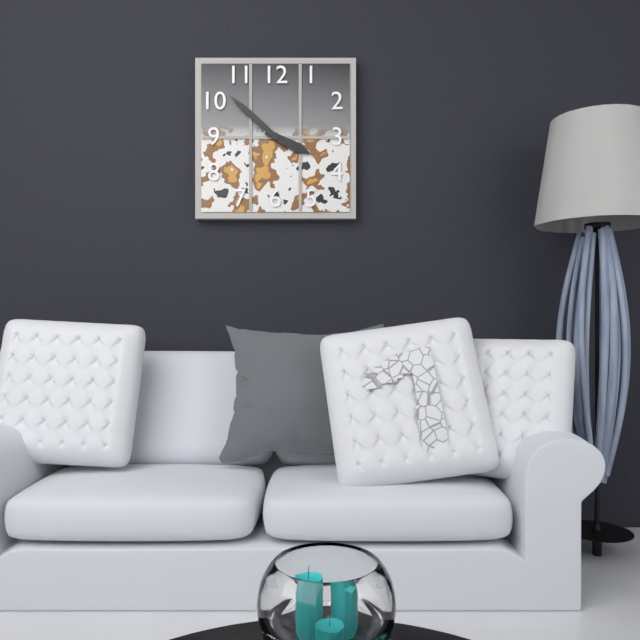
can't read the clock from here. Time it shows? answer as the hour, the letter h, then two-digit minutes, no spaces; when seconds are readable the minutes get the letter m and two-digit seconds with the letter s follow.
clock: 3h52
